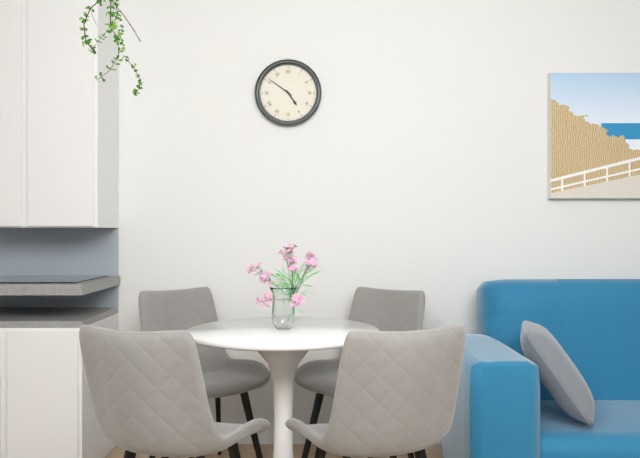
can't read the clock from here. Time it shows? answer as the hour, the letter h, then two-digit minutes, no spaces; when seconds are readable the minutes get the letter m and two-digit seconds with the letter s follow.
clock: 4h51
